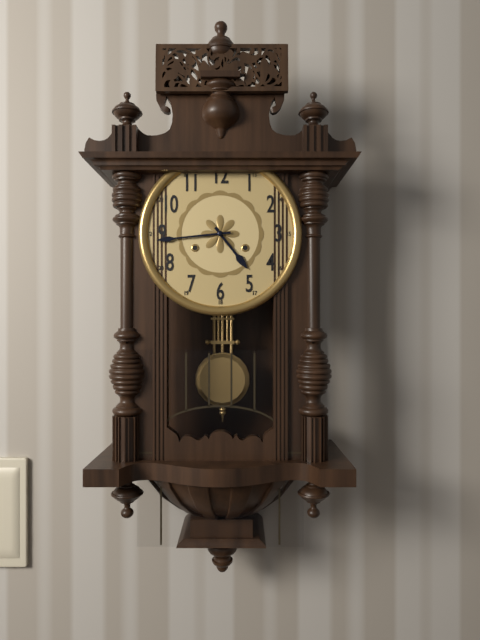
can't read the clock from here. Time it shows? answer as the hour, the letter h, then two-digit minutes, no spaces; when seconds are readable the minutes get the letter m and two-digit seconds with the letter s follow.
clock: 4h44
